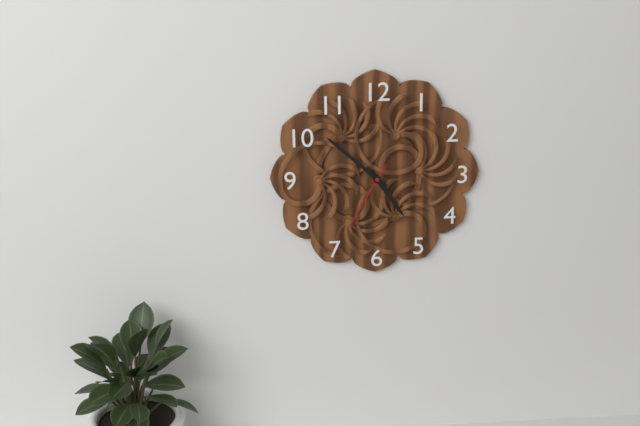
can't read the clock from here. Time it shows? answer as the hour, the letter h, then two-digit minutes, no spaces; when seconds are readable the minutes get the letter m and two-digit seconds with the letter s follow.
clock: 4h52m35s
